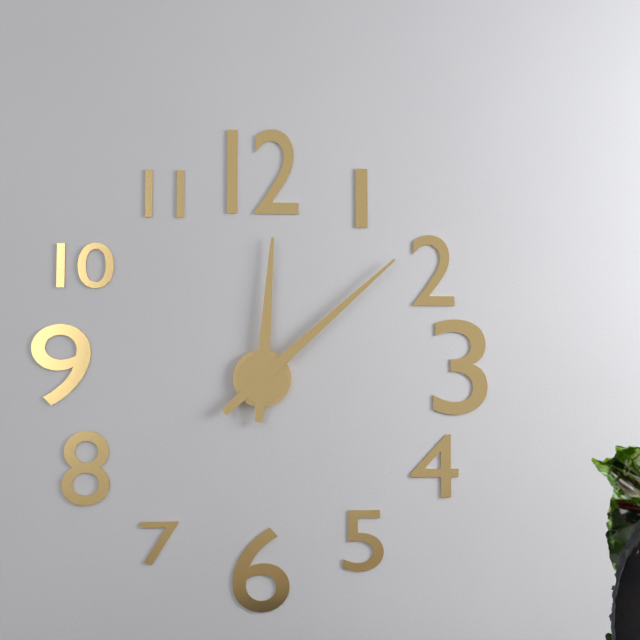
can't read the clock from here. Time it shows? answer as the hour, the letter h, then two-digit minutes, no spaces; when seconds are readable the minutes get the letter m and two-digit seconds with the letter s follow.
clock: 12h08
